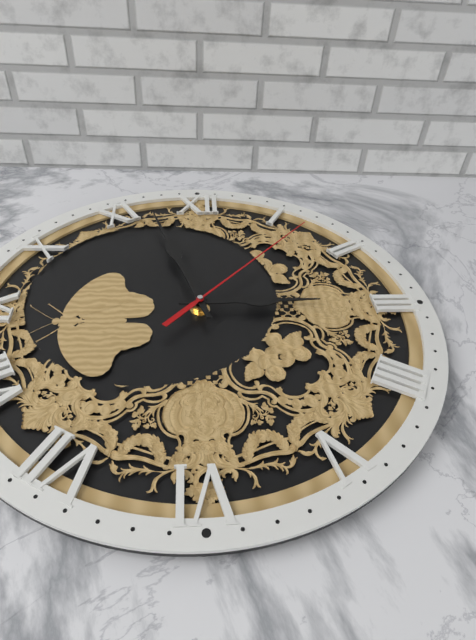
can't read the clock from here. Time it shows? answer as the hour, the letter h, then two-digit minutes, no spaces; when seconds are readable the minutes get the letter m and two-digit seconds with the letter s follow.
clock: 2h57m07s
